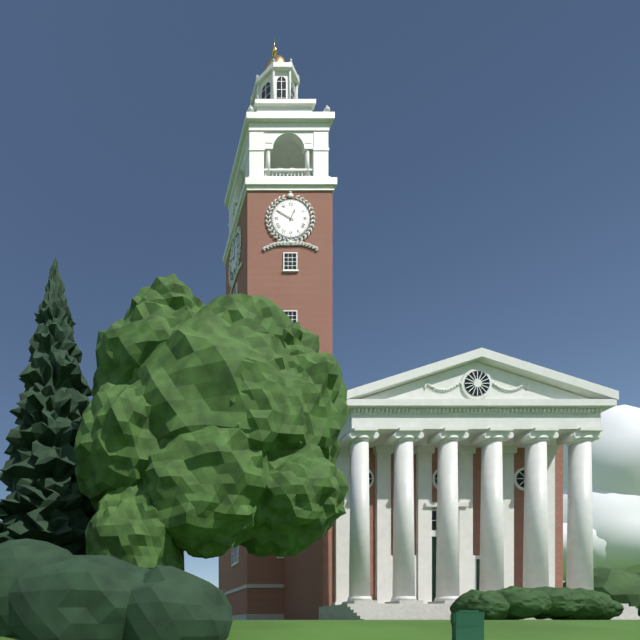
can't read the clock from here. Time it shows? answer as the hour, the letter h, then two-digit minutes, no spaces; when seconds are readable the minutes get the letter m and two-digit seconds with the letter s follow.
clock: 12h50
